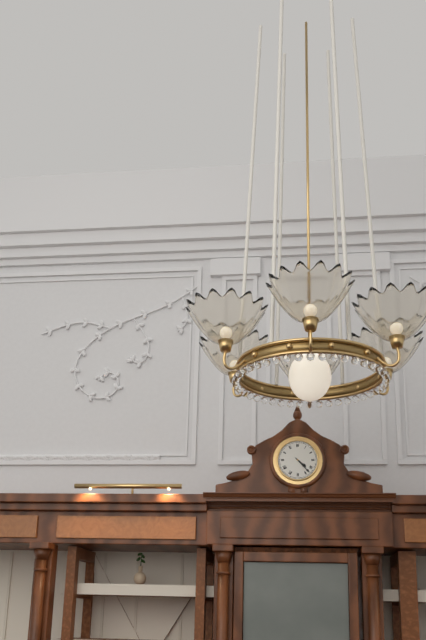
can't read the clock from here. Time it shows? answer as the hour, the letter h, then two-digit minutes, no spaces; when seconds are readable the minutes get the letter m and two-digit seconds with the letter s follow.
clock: 4h23
